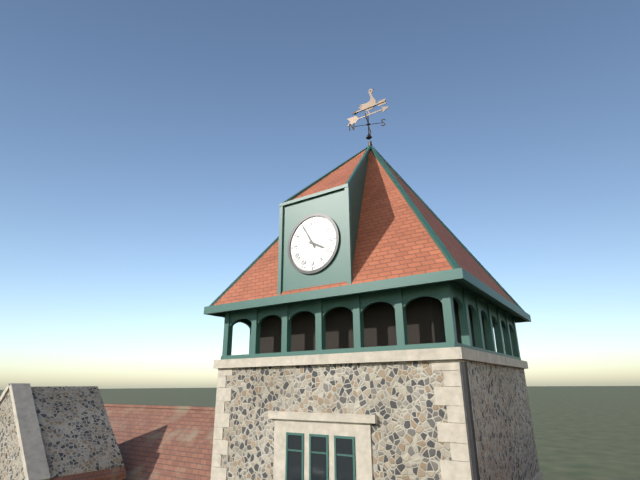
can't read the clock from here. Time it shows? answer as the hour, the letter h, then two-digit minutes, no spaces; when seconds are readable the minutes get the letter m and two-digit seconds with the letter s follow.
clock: 3h55
